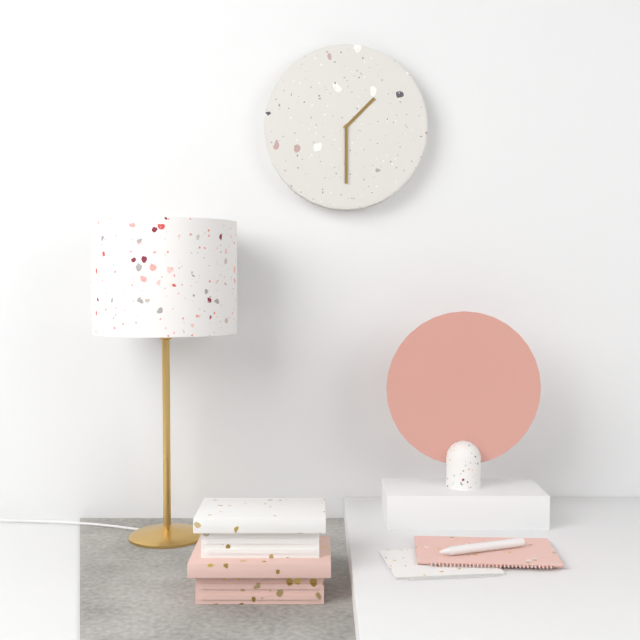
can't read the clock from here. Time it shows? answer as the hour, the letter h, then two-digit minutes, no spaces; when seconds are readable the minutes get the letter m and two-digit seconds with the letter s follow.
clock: 1h30
